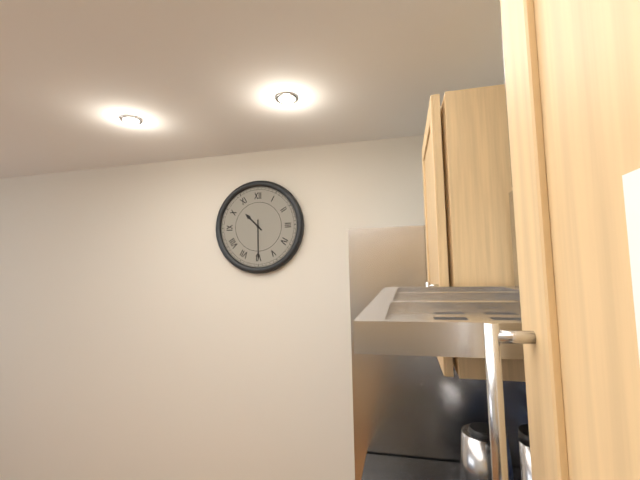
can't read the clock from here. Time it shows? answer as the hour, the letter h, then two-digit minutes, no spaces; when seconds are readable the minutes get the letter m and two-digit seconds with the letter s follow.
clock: 10h30
